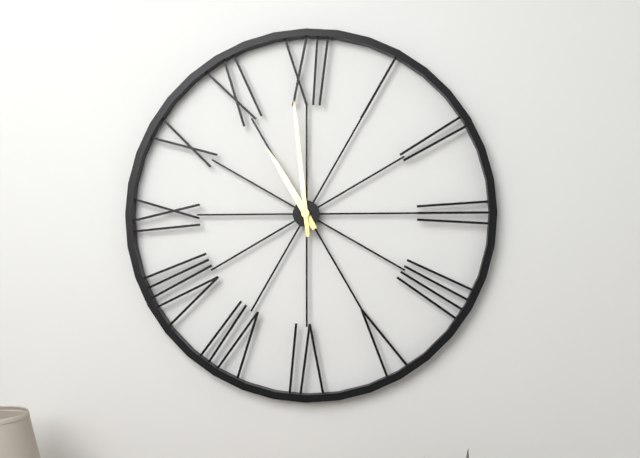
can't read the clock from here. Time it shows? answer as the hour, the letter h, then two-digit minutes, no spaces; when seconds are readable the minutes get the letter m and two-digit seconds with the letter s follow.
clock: 10h59
